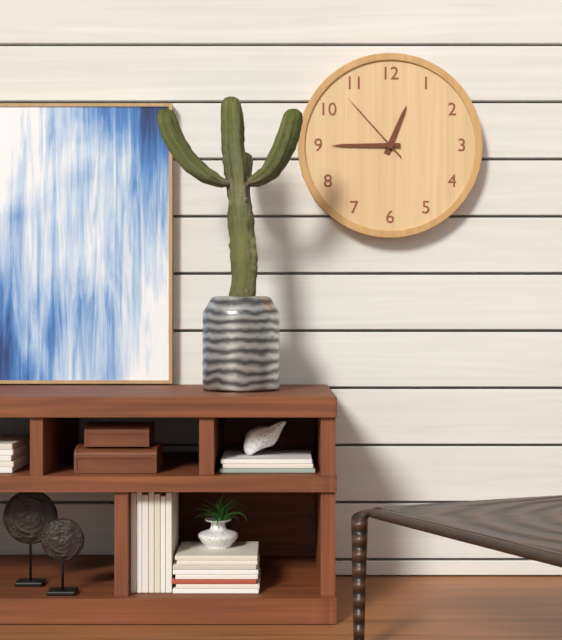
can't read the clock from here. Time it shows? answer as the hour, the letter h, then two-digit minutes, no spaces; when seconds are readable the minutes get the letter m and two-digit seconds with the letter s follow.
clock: 12h45m53s
